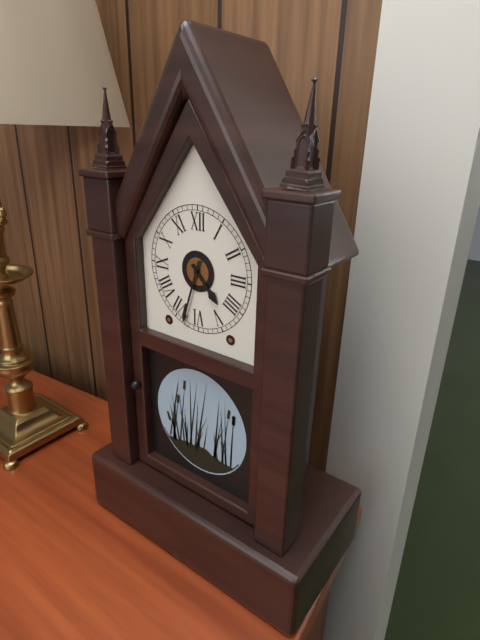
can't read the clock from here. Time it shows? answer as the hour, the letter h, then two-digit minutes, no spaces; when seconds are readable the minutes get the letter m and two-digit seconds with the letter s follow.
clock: 4h33
